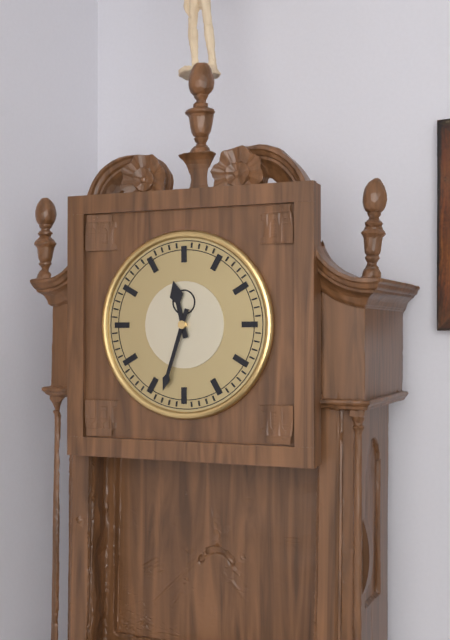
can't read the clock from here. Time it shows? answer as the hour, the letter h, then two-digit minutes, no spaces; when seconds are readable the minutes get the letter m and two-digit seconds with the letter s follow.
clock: 11h33
